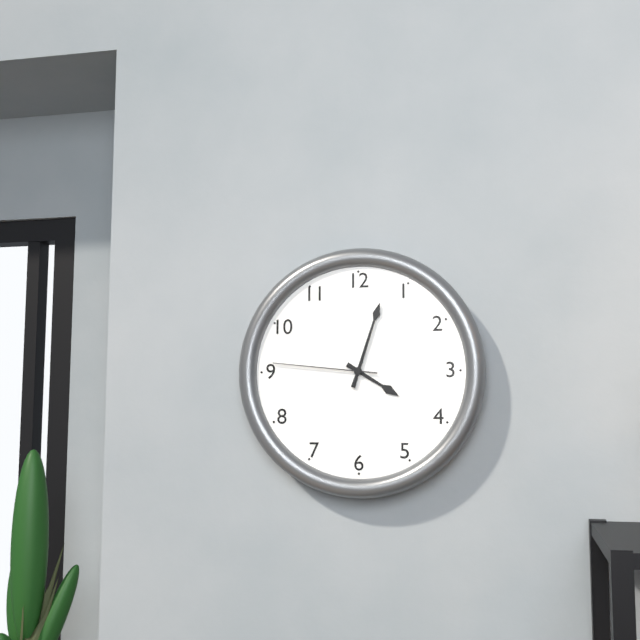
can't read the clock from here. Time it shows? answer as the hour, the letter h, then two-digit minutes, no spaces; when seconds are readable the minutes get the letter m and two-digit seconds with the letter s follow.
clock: 4h03m46s
